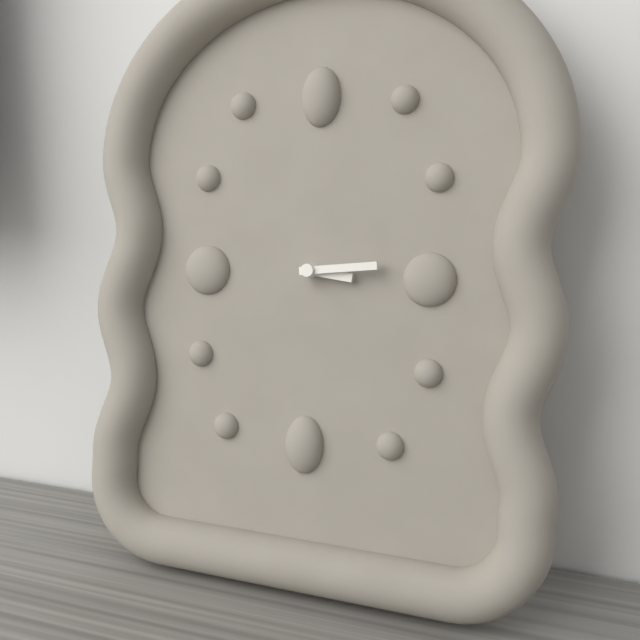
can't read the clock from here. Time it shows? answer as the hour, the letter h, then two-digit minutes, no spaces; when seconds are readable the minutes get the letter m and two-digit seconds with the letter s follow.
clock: 3h14
